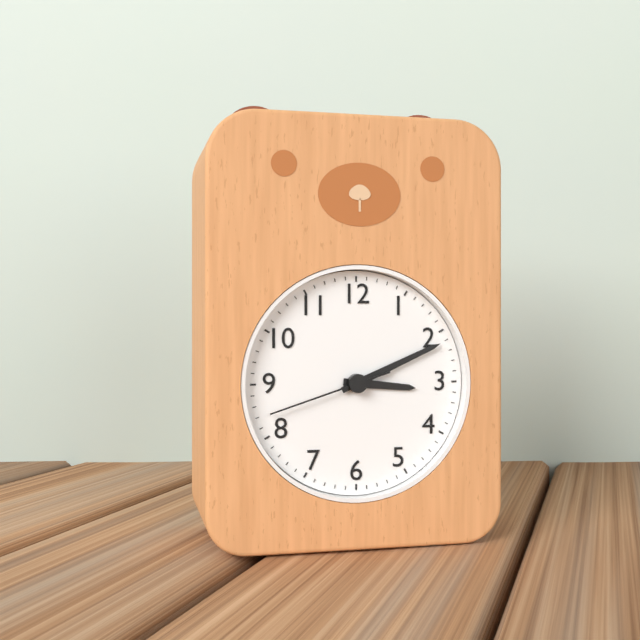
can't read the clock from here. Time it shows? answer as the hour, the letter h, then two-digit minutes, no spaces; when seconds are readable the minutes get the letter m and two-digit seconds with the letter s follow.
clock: 3h11m42s
